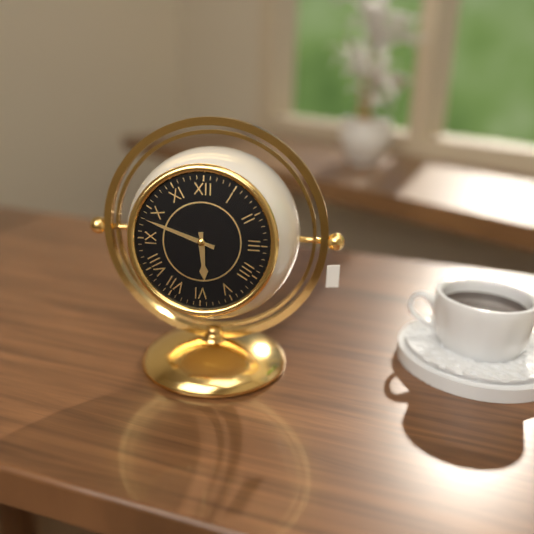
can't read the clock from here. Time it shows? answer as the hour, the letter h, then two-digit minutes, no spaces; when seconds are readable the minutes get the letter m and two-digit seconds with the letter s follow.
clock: 5h48
